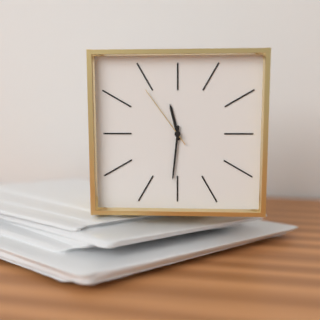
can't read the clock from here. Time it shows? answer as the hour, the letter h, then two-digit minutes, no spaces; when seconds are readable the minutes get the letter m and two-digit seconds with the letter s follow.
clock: 11h31m54s
